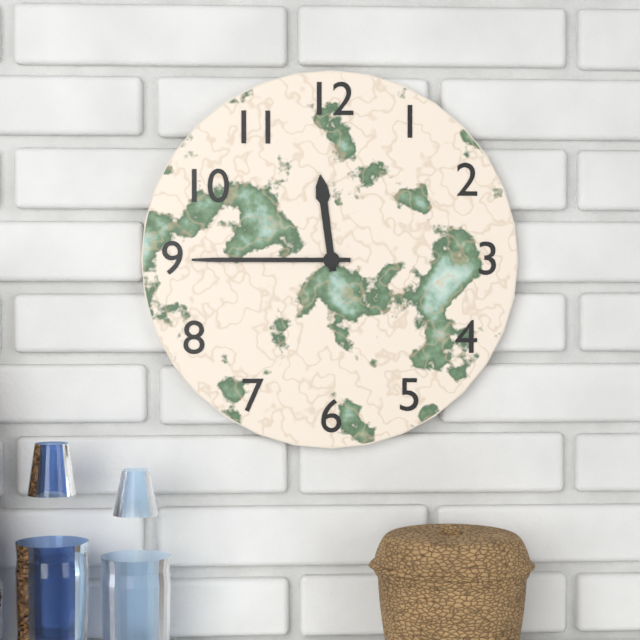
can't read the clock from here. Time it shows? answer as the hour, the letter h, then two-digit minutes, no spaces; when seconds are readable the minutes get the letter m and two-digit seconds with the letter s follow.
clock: 11h45
